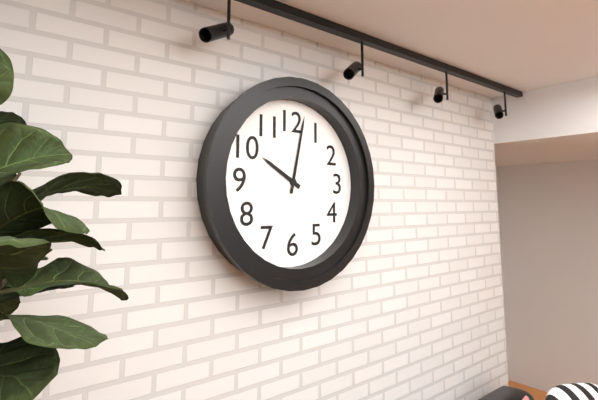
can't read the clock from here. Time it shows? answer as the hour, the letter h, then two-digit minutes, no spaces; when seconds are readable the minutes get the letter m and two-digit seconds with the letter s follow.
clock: 10h02
